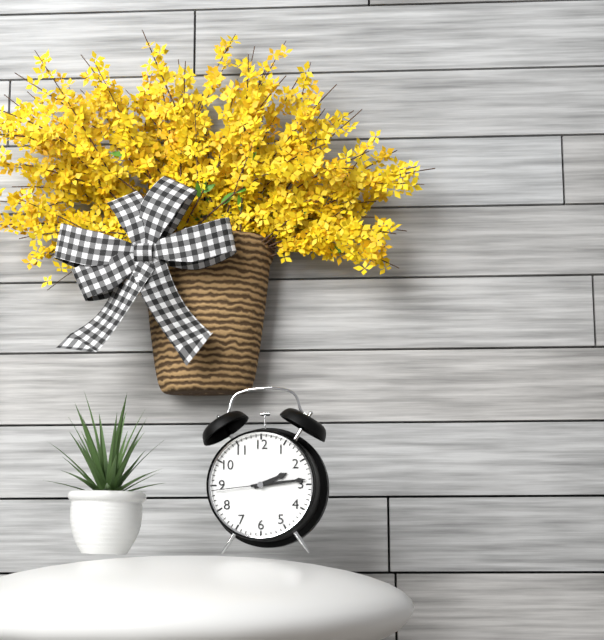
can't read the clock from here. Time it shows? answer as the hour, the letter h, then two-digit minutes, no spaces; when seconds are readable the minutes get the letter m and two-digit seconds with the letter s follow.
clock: 2h14m44s
